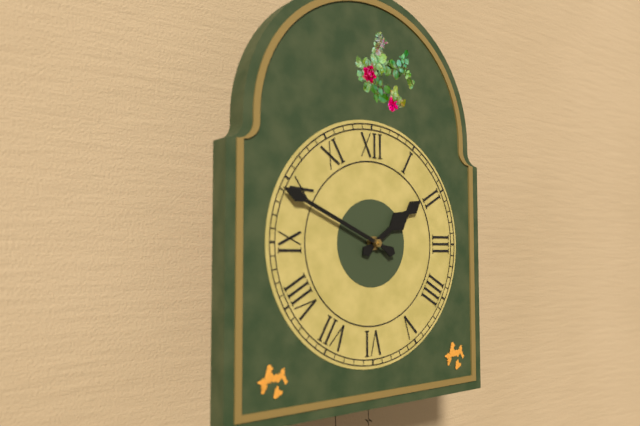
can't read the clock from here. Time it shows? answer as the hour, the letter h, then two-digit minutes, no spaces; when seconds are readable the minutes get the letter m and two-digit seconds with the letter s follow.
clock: 1h49
